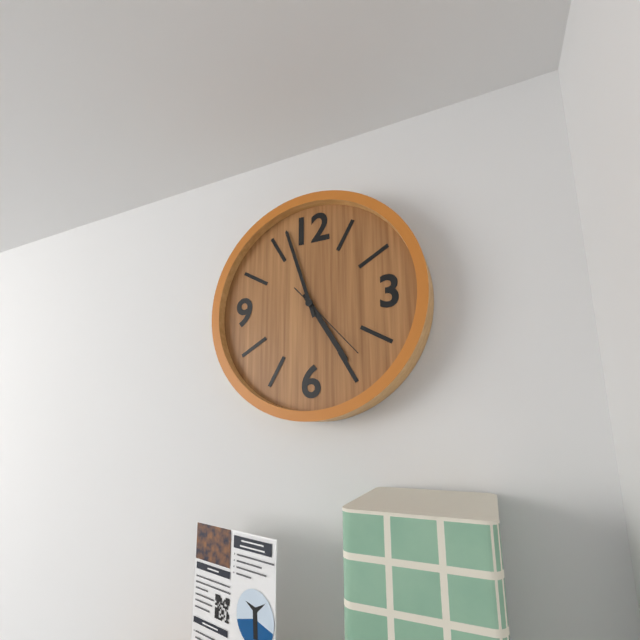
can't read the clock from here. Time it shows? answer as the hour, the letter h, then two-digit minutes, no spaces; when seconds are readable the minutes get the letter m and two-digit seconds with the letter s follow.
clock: 4h57m23s
